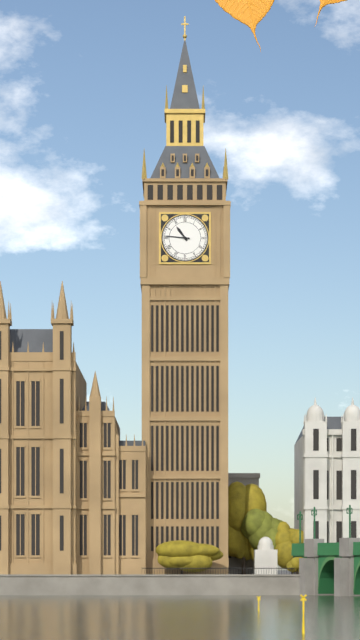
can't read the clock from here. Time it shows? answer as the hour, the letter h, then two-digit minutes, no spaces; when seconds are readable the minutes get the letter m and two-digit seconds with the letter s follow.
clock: 10h46
